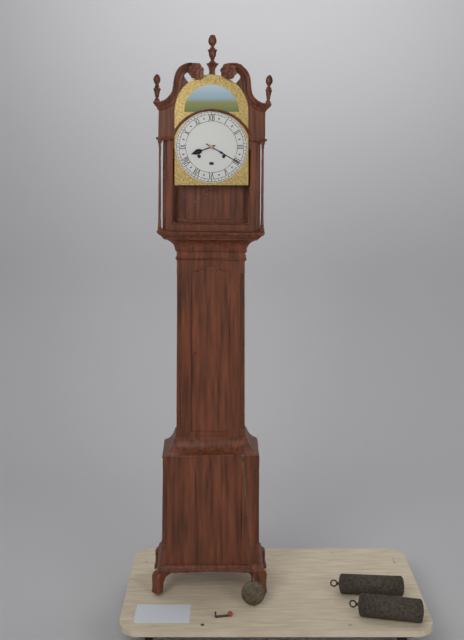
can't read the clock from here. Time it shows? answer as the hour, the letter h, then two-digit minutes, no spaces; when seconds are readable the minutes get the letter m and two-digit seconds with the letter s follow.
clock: 8h20
